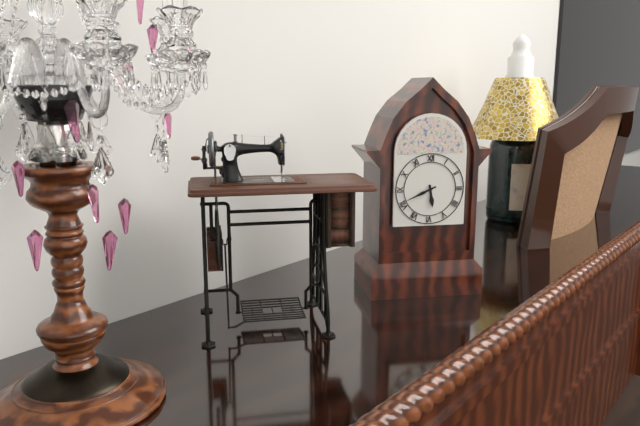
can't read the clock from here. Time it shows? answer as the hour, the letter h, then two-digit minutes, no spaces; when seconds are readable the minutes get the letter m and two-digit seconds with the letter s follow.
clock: 5h41
